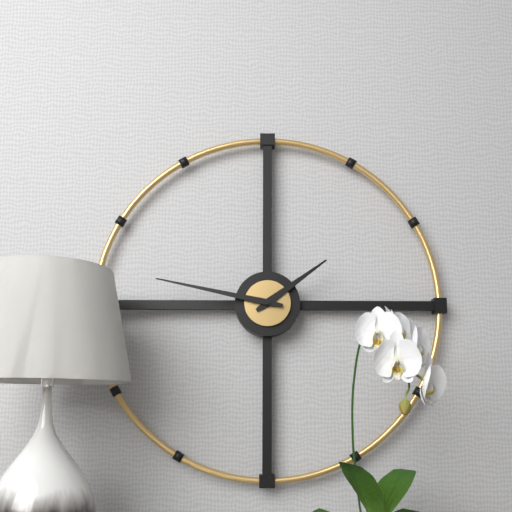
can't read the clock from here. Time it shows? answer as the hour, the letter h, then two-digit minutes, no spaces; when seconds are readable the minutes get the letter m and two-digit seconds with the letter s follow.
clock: 1h47
